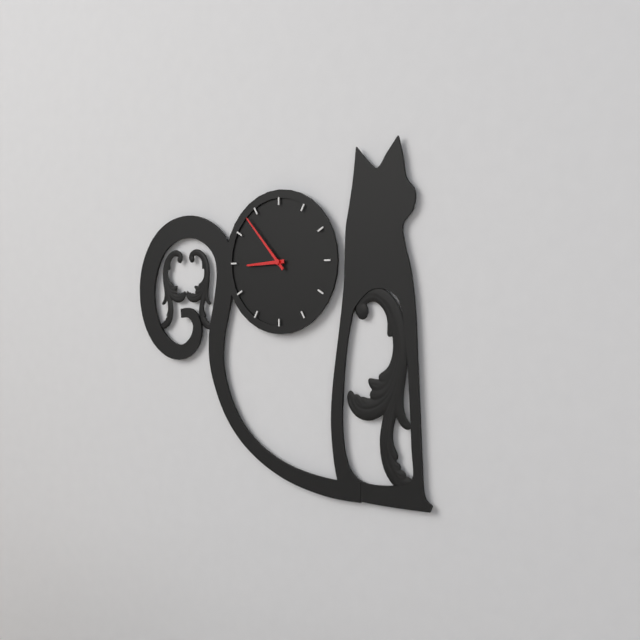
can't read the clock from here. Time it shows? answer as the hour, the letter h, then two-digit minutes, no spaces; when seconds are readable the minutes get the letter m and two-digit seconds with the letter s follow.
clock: 8h53
